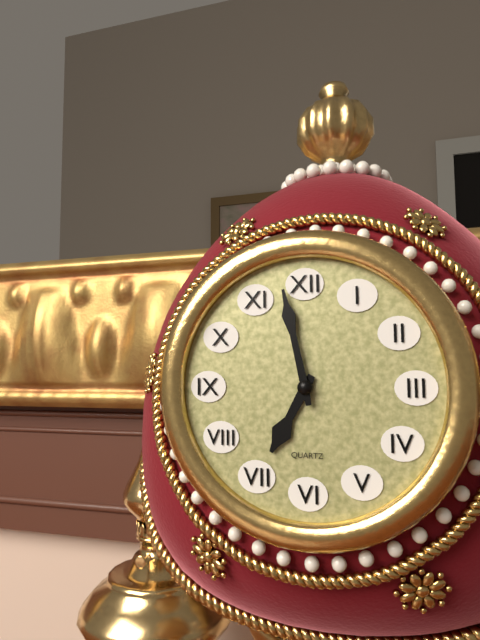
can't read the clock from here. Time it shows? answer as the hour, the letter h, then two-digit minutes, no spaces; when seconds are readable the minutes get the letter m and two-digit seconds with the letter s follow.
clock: 6h58
